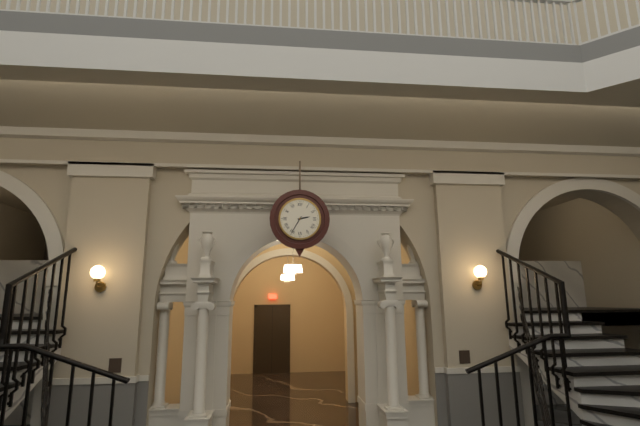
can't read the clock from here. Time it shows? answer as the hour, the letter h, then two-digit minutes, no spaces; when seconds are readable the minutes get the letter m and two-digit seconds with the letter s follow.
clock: 2h35
